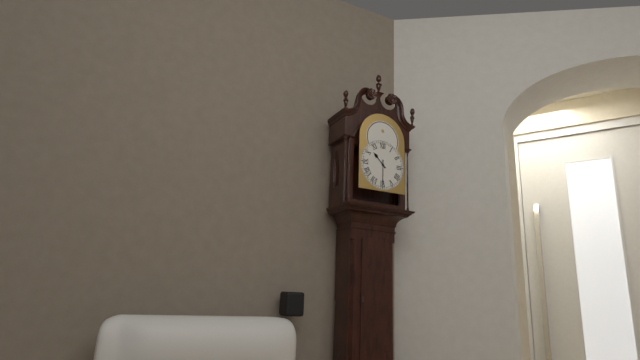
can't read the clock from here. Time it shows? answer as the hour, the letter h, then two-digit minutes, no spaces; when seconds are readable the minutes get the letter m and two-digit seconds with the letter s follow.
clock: 10h30
